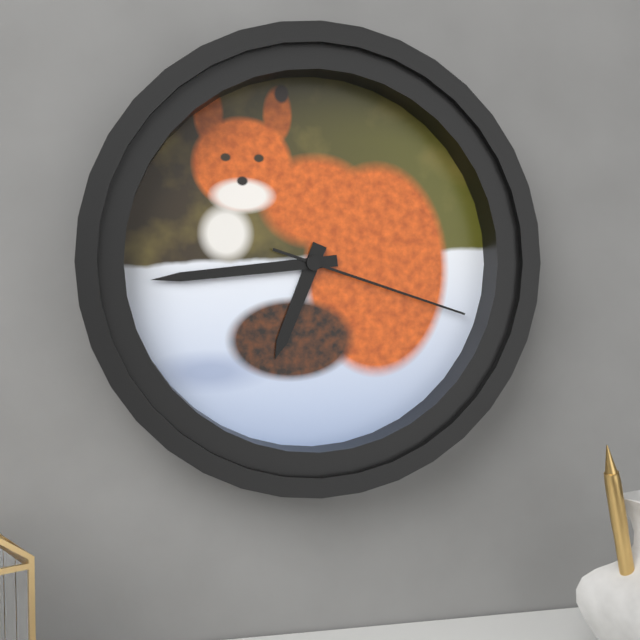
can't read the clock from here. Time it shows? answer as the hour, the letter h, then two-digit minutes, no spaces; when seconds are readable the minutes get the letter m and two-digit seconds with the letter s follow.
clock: 6h44m18s
